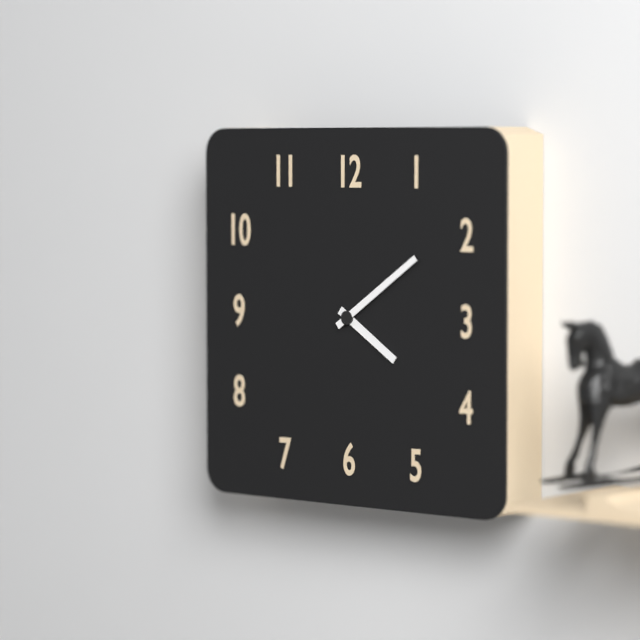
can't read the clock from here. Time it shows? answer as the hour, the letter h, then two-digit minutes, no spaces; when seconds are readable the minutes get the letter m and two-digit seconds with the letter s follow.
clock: 4h09
